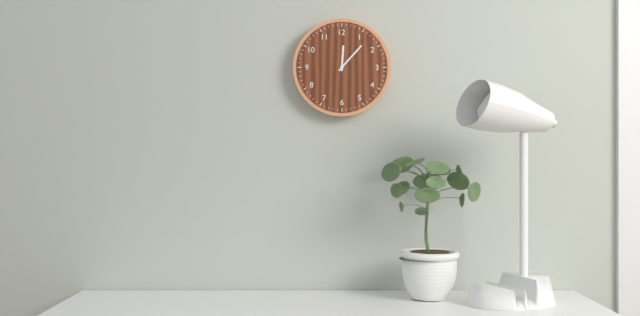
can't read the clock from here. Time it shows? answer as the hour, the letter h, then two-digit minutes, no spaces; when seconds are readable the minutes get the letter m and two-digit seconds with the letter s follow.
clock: 12h07
